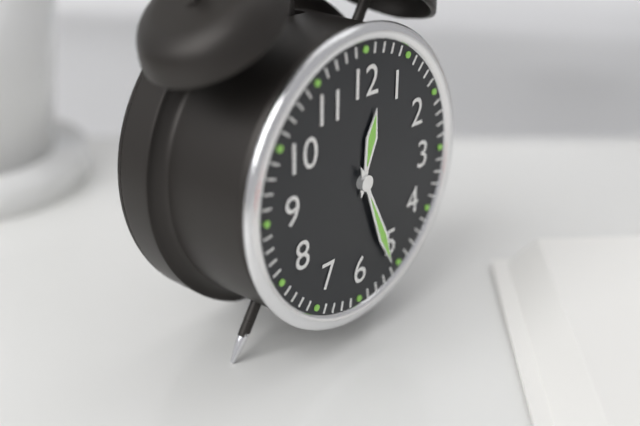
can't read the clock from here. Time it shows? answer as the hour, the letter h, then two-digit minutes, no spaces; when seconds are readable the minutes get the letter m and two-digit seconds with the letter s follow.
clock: 12h26
